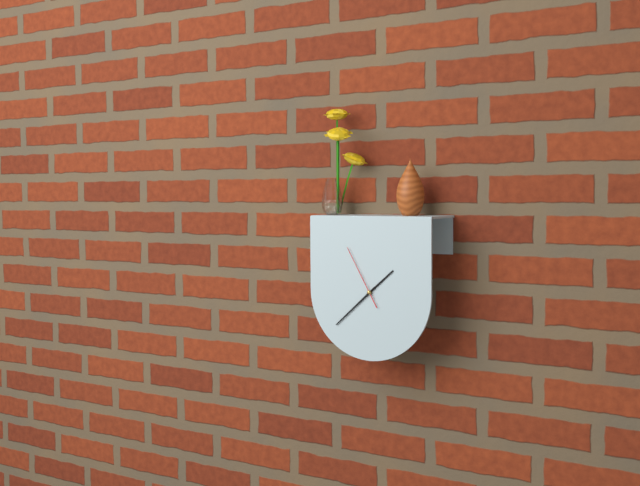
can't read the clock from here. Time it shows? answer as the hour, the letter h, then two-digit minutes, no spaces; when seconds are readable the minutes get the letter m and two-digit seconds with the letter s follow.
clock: 1h38m55s
